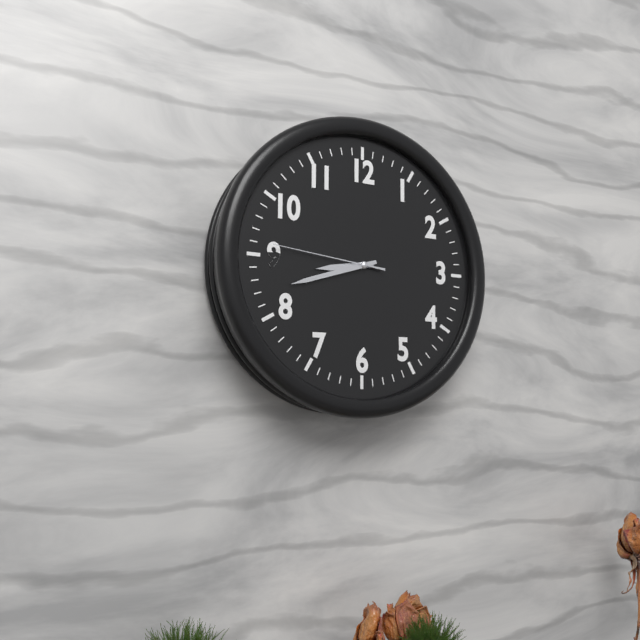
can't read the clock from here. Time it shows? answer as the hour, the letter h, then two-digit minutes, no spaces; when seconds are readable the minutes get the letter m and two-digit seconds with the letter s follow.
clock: 8h42m46s
